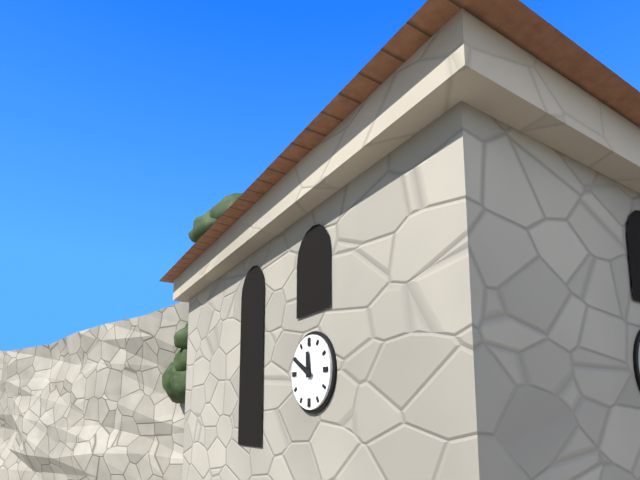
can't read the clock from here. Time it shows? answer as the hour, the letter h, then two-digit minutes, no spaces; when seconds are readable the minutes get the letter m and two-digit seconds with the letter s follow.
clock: 11h50
